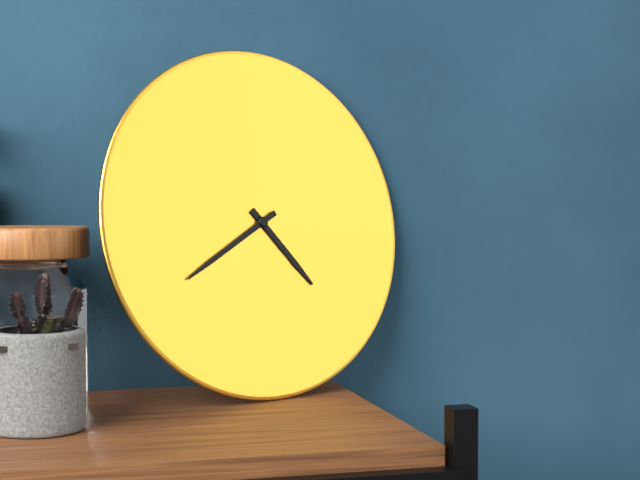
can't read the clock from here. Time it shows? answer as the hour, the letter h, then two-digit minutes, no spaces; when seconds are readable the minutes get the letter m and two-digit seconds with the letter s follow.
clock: 4h40
